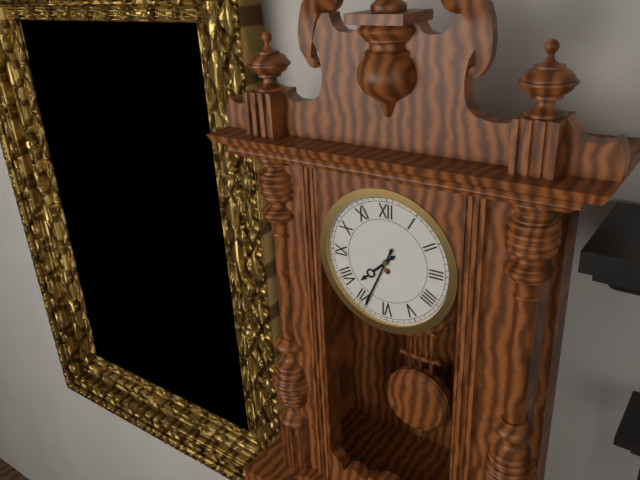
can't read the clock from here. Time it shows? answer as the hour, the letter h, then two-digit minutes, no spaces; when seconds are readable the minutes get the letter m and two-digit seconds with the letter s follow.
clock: 7h34
